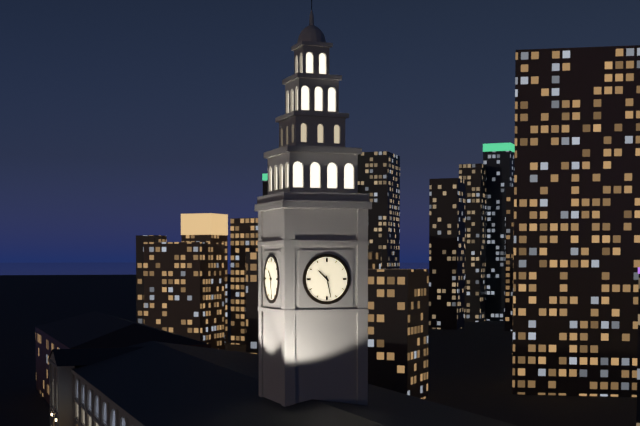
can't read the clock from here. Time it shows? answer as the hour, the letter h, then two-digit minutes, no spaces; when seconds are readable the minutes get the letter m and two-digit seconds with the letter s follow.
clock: 10h28
